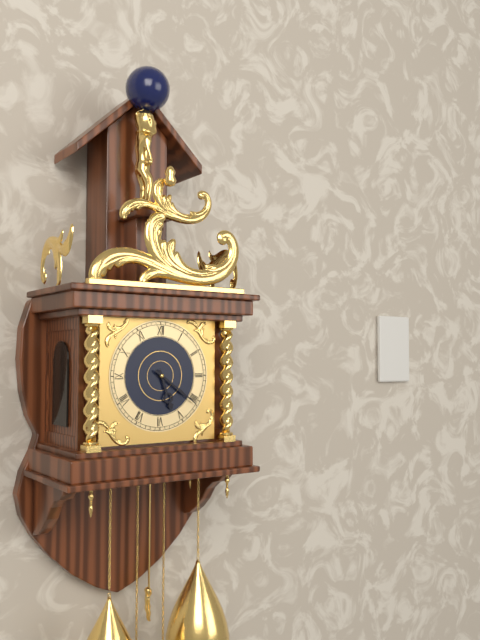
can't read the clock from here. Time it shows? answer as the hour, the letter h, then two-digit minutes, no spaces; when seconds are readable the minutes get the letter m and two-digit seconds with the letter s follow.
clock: 5h21
